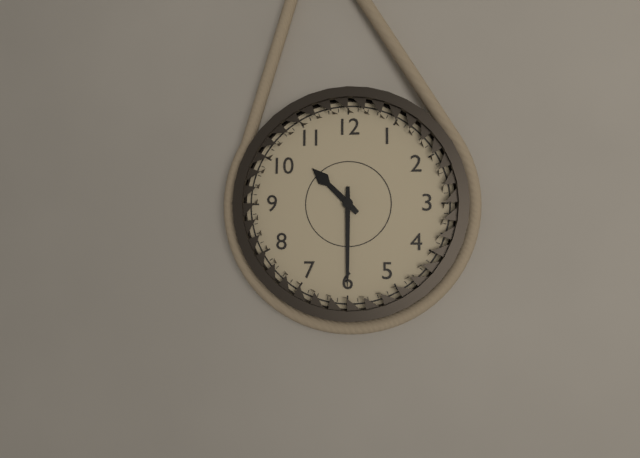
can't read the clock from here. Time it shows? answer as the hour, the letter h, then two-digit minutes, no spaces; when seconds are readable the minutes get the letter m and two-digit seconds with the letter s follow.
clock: 10h30
